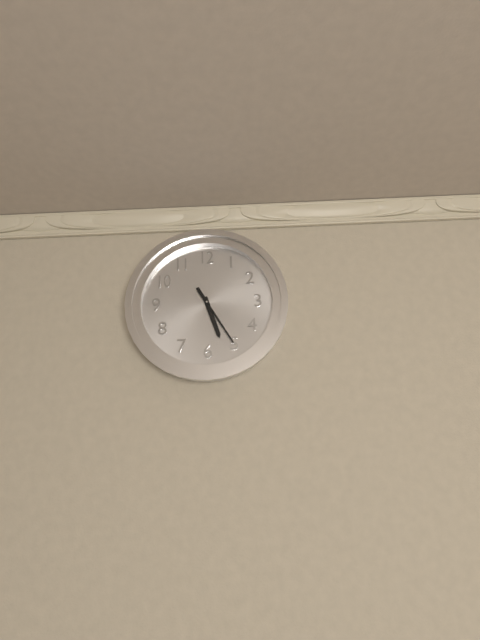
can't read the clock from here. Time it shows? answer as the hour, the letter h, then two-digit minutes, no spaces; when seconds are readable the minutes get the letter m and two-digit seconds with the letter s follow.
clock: 5h25
